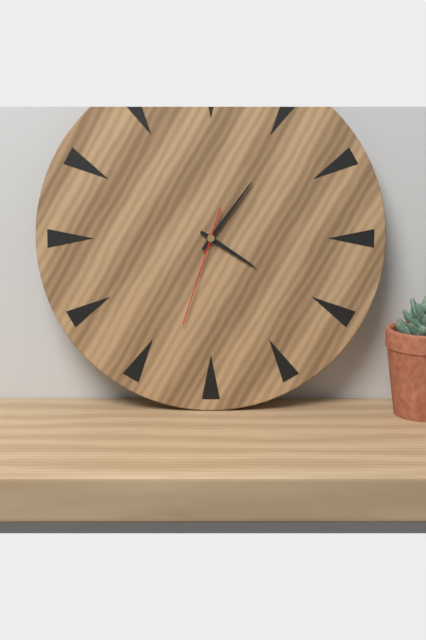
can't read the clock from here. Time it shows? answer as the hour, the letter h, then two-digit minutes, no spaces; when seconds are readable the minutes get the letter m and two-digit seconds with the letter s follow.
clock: 4h06m33s
